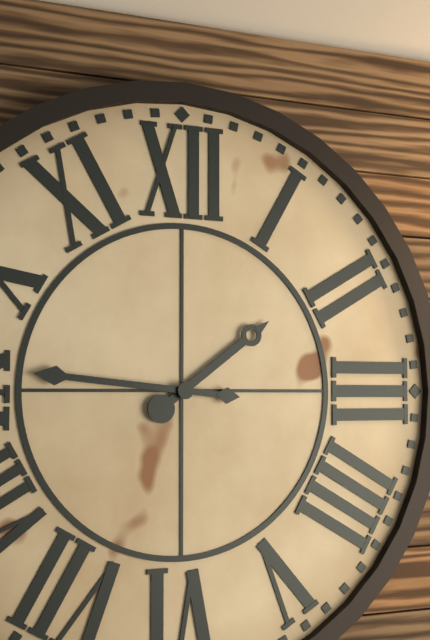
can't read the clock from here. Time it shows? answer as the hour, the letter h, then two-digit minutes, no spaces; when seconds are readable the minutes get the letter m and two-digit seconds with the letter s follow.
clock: 1h46
